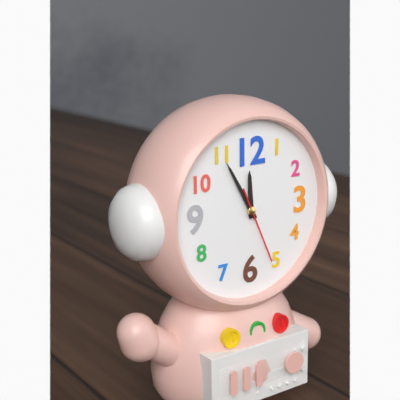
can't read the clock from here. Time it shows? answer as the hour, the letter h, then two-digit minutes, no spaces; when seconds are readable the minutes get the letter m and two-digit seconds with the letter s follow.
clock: 11h55m26s
